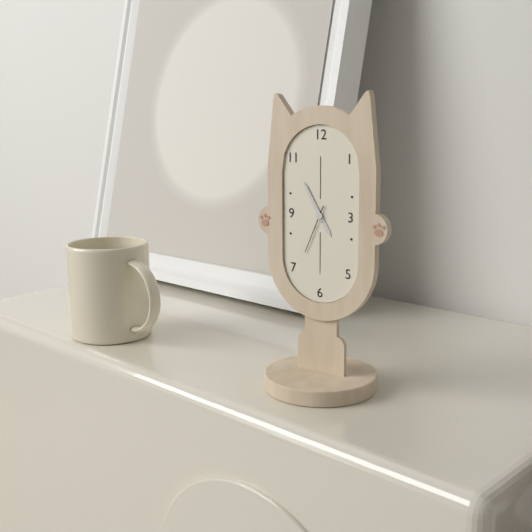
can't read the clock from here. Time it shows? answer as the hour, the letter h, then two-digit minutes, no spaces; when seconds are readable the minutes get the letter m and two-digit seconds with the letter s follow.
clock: 4h55
